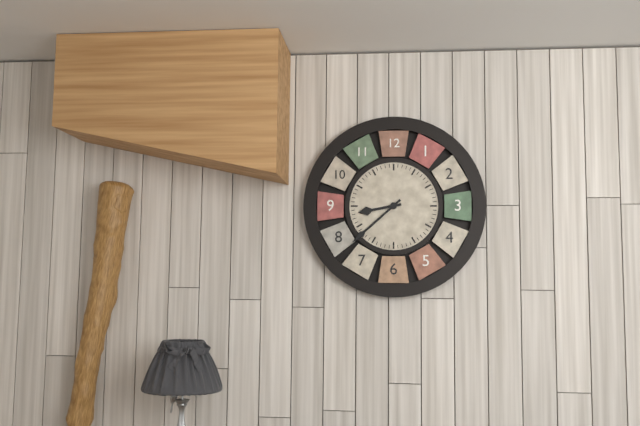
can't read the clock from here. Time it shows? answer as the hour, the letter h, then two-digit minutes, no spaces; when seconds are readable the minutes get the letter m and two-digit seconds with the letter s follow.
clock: 8h38
